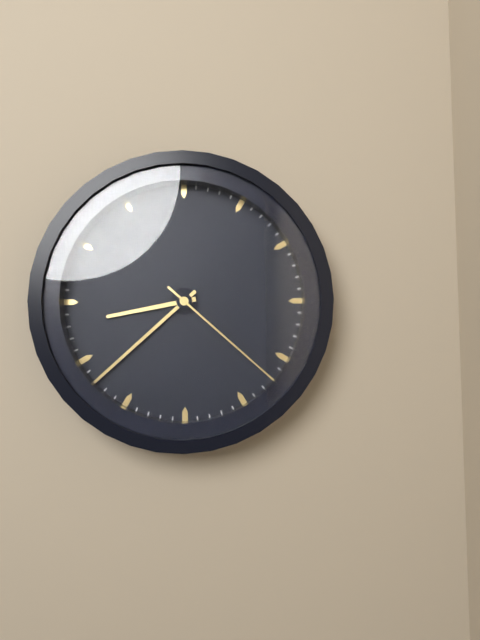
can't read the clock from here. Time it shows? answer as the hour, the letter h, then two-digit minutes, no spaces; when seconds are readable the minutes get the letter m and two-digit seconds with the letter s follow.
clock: 8h38m22s
